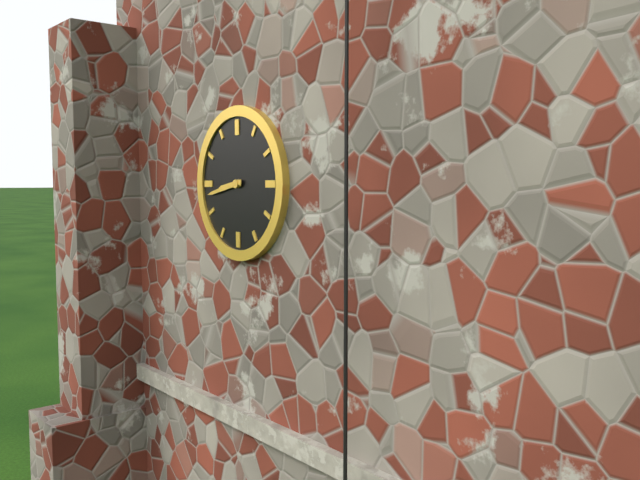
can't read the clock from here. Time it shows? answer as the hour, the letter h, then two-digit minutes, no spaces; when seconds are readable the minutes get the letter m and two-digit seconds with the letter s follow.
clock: 8h43
